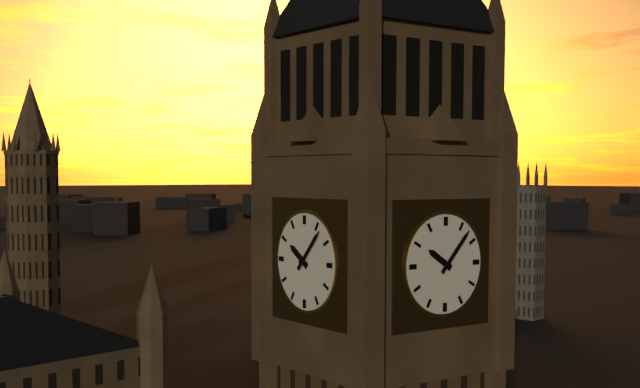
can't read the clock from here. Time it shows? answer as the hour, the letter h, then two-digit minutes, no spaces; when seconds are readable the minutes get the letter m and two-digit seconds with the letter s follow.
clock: 10h07
